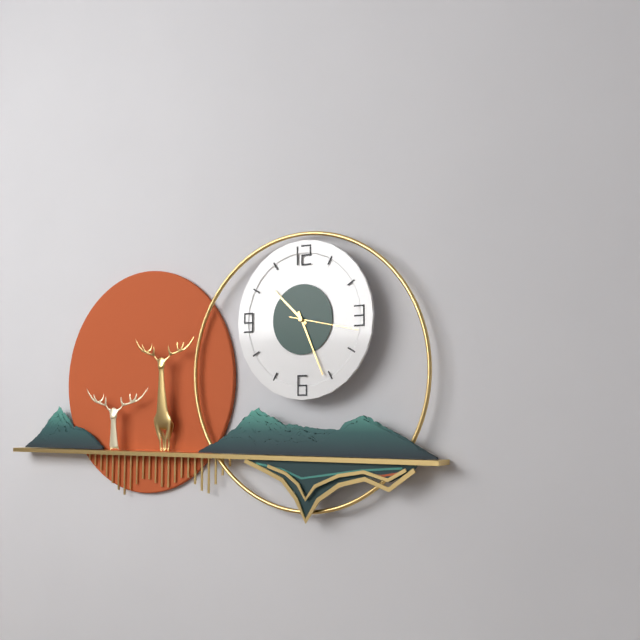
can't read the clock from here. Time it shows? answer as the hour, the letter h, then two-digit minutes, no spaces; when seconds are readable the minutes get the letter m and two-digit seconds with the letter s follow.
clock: 10h26m17s
